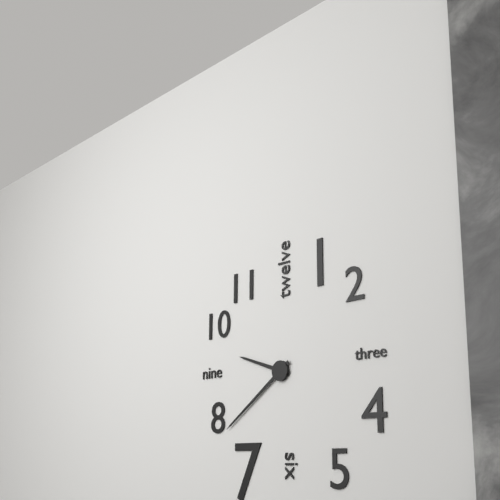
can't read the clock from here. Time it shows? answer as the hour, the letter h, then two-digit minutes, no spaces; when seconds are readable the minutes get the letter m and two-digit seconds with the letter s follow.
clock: 9h39
